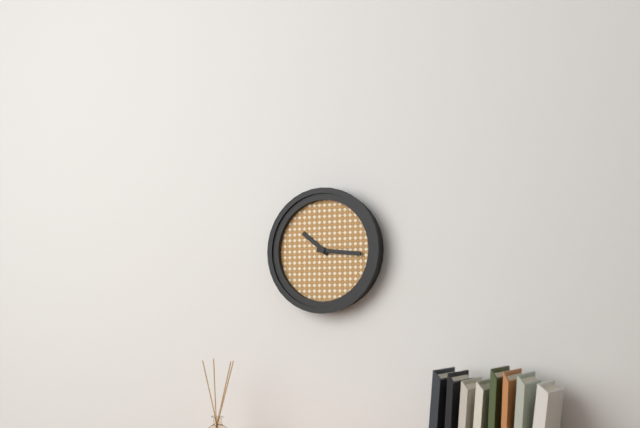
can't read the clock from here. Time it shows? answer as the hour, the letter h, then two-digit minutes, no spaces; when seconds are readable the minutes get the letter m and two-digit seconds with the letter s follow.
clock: 10h16
